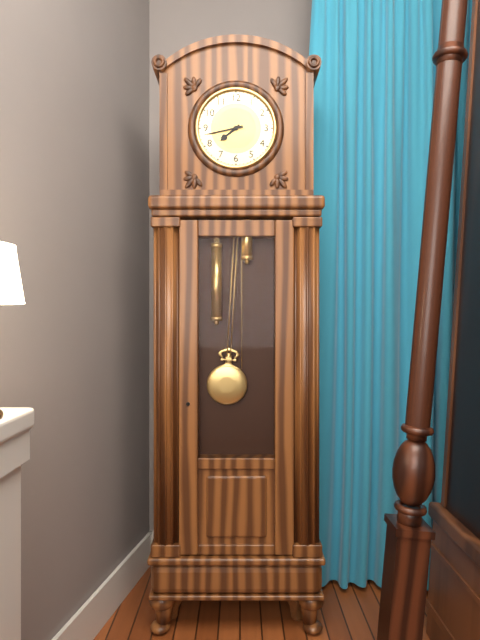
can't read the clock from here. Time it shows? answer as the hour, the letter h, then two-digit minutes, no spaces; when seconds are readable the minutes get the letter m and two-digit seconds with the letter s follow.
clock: 7h43
